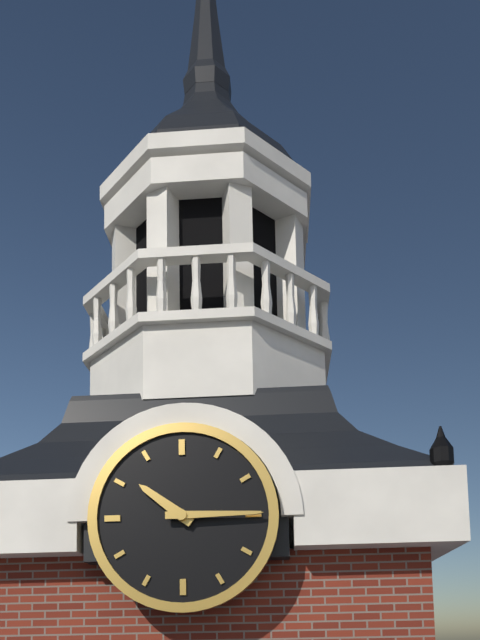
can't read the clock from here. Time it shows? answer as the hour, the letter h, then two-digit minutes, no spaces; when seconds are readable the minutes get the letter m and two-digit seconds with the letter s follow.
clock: 10h15
